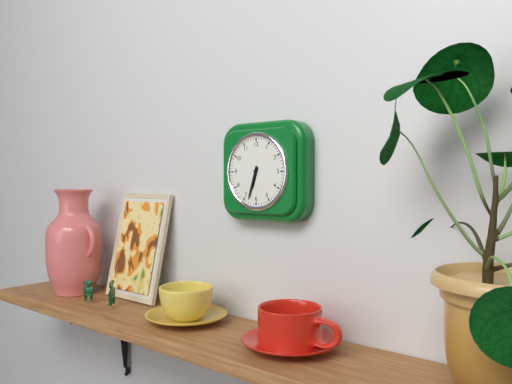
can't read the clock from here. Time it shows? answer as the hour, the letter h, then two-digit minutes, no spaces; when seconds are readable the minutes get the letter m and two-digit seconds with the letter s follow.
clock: 6h33
